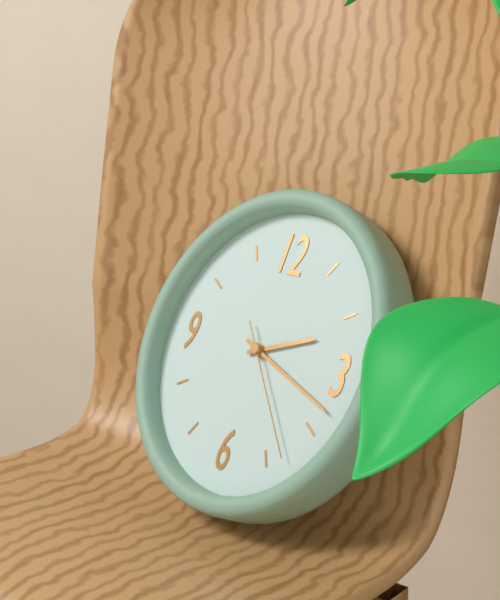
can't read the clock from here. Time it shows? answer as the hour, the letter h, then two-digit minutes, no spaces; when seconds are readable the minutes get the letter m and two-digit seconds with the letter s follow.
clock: 2h18m23s
